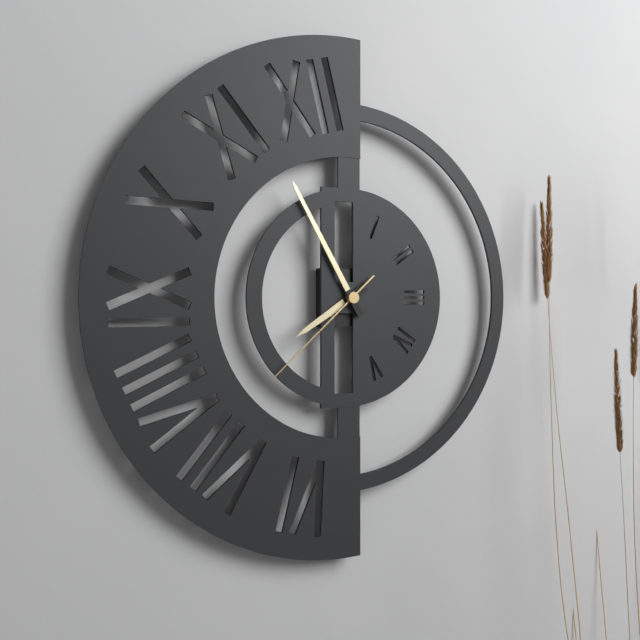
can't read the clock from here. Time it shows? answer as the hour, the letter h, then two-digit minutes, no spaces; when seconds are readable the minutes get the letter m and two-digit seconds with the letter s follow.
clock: 7h55m38s
